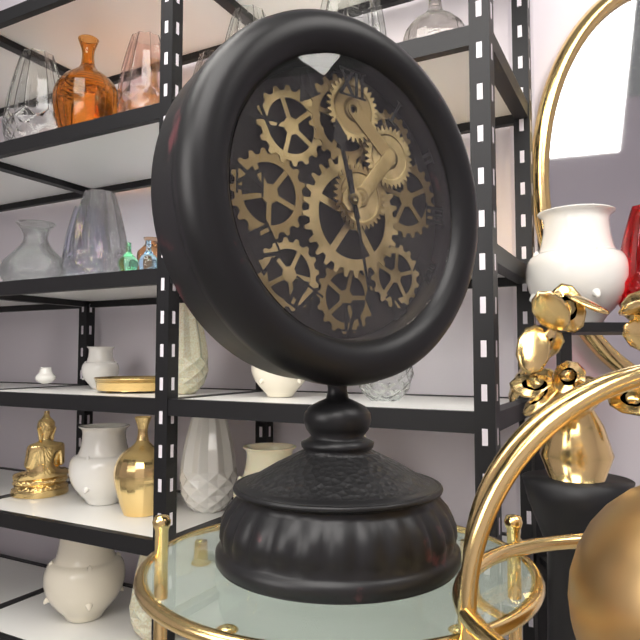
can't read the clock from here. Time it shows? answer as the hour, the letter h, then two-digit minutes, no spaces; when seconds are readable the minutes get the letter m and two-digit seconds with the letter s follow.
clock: 11h28
